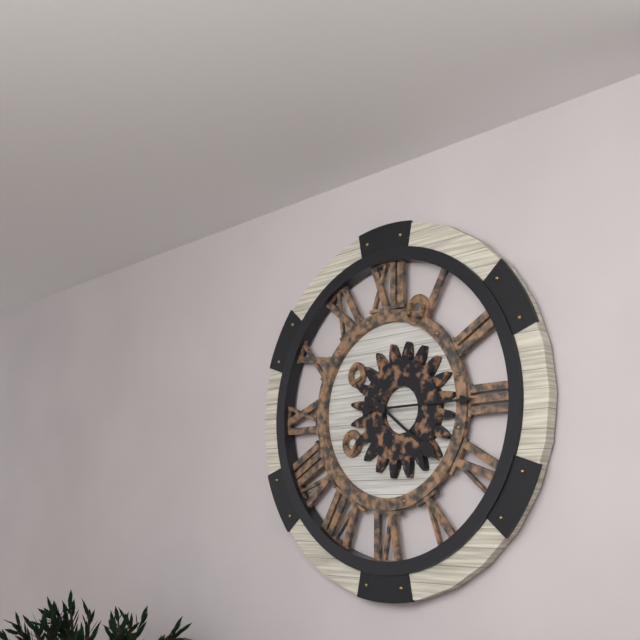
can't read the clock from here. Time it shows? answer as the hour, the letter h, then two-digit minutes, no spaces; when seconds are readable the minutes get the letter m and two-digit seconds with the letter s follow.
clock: 4h15
